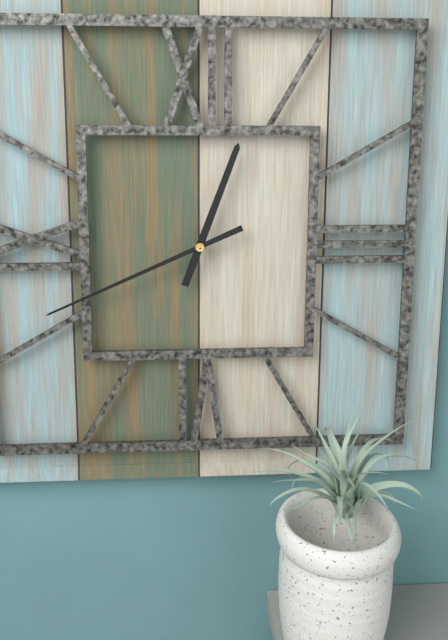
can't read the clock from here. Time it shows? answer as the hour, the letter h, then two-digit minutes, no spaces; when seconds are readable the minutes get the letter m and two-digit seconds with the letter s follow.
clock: 12h41
